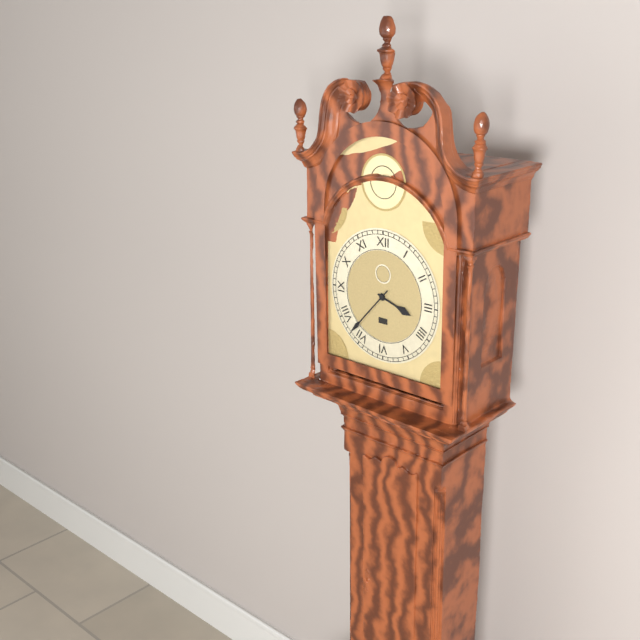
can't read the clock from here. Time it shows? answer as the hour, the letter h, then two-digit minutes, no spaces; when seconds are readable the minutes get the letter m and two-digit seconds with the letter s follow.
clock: 3h37
